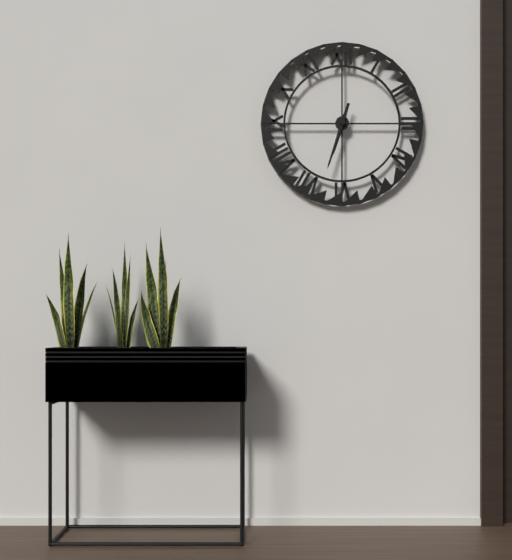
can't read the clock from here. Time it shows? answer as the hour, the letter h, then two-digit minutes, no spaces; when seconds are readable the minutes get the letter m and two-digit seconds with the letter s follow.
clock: 6h33
